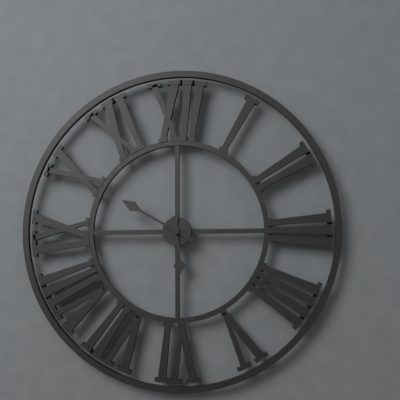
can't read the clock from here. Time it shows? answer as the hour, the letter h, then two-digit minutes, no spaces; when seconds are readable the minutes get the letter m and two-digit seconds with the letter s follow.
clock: 5h50
